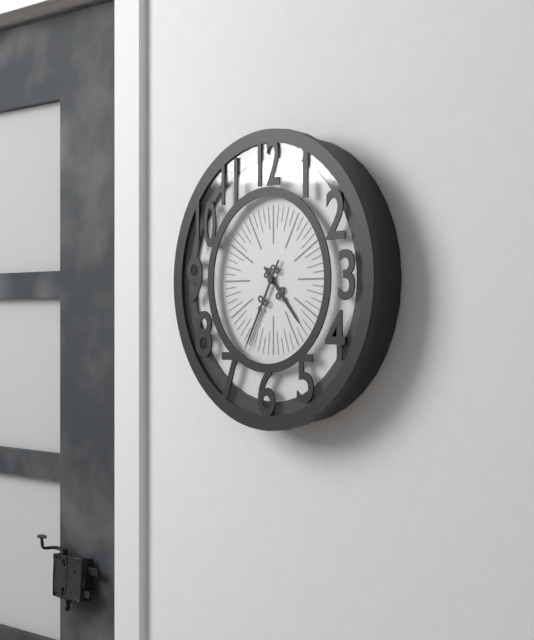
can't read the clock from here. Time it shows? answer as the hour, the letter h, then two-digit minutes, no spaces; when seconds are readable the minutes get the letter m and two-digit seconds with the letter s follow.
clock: 4h35
